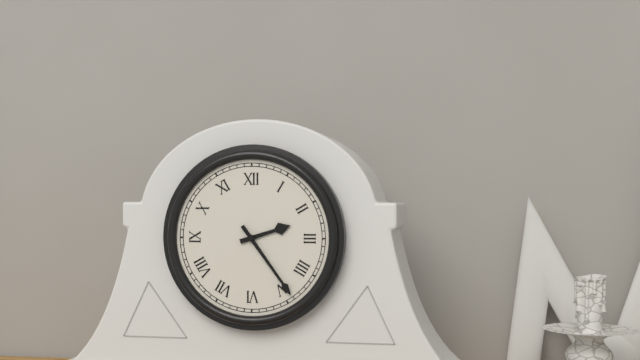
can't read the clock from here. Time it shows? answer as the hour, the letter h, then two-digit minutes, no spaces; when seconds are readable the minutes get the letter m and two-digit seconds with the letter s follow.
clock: 2h24
